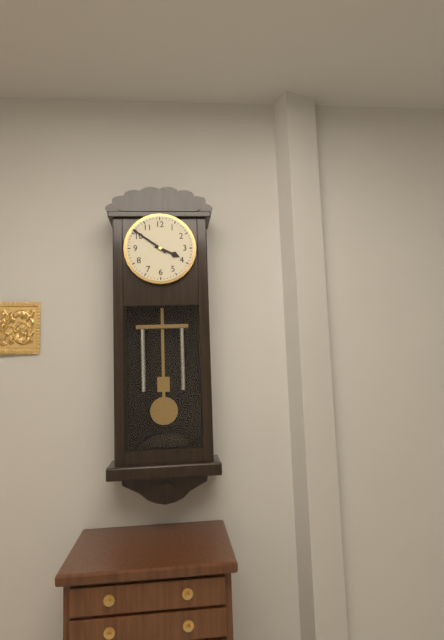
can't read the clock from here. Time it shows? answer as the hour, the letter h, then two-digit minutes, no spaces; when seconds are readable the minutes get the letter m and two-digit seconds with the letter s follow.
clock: 3h51
